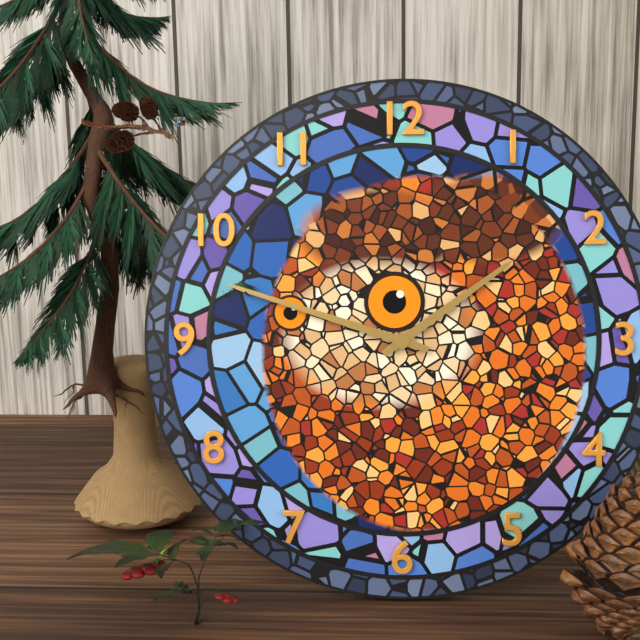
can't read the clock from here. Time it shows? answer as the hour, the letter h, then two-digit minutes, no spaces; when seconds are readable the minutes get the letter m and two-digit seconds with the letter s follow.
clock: 1h48
